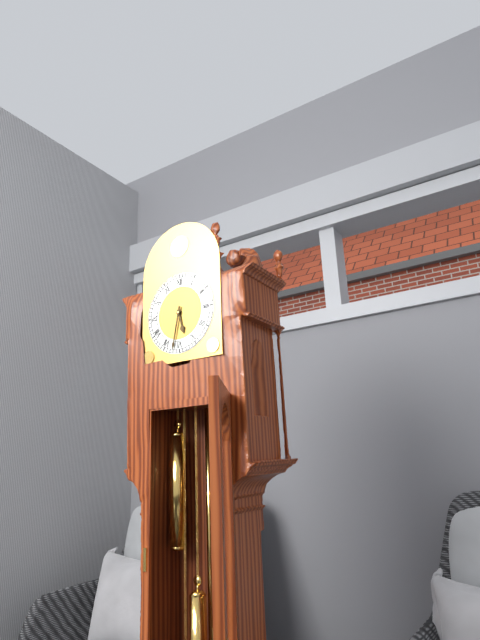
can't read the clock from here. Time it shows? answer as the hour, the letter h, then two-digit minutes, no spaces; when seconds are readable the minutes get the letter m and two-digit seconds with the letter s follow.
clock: 5h32
